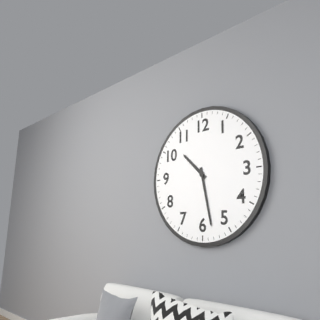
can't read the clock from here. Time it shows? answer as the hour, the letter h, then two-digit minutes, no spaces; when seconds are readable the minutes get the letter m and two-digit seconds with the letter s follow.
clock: 10h28
